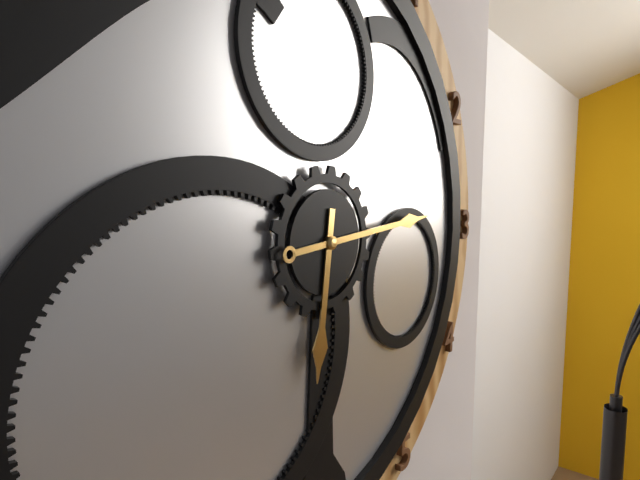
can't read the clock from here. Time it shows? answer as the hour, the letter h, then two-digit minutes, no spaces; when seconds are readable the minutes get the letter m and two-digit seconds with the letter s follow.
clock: 6h14
